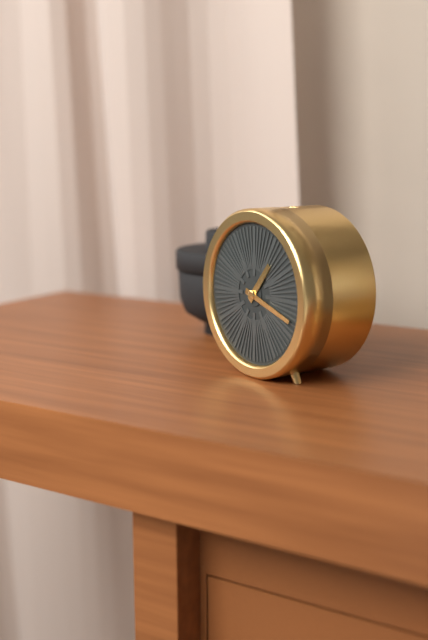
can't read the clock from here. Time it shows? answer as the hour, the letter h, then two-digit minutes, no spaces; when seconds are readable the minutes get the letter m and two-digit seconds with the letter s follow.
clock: 1h18
